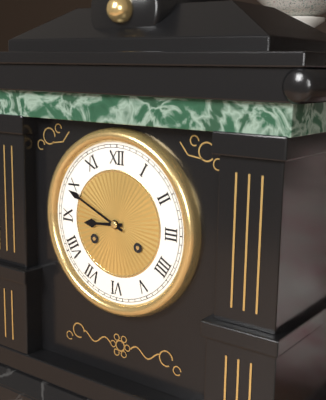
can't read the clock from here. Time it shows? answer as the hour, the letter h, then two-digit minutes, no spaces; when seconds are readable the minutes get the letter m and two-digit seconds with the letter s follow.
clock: 8h49
